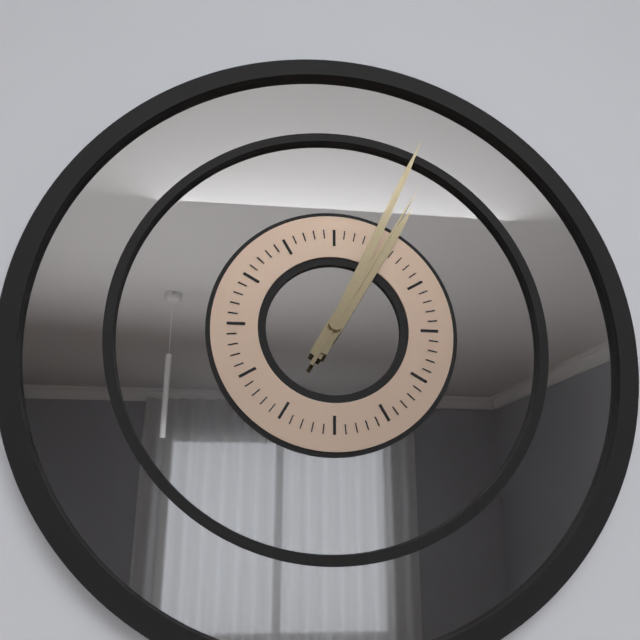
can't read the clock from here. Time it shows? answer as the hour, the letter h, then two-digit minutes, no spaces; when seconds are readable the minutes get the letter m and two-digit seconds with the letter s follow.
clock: 1h04m05s
